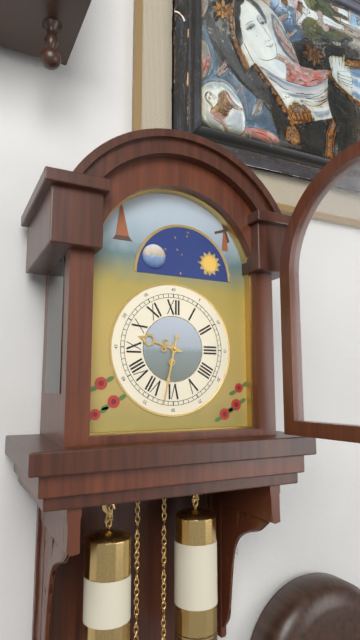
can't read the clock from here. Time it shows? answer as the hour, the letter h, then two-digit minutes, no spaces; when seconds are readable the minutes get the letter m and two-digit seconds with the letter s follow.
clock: 9h32
